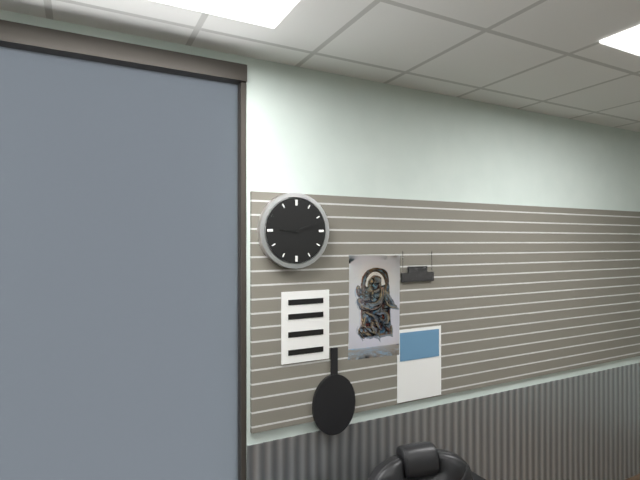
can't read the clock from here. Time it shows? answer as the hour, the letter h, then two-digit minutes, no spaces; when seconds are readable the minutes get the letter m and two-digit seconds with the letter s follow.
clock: 9h12
